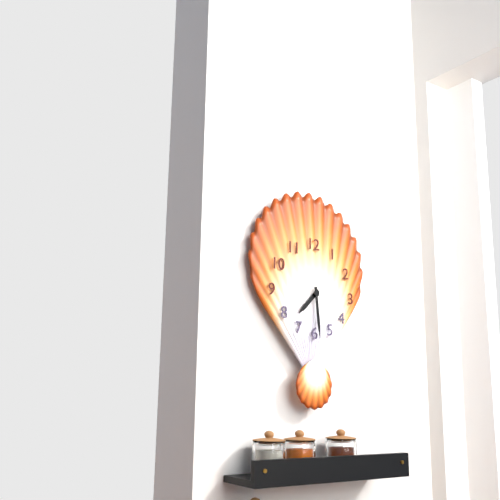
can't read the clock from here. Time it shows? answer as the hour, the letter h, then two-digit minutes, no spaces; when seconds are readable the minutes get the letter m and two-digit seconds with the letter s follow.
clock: 7h29
